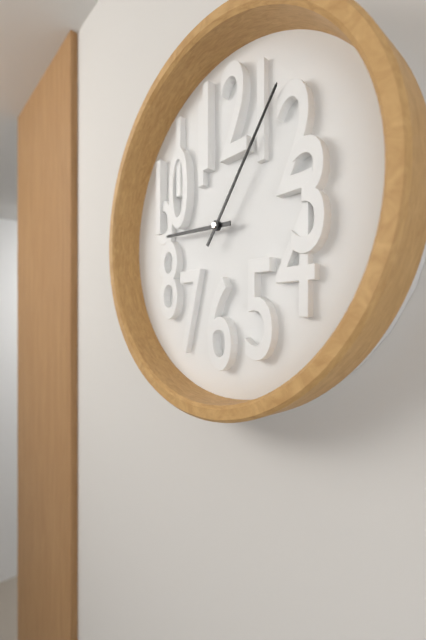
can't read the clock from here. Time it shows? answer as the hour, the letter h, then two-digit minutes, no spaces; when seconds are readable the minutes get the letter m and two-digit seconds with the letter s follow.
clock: 9h06
